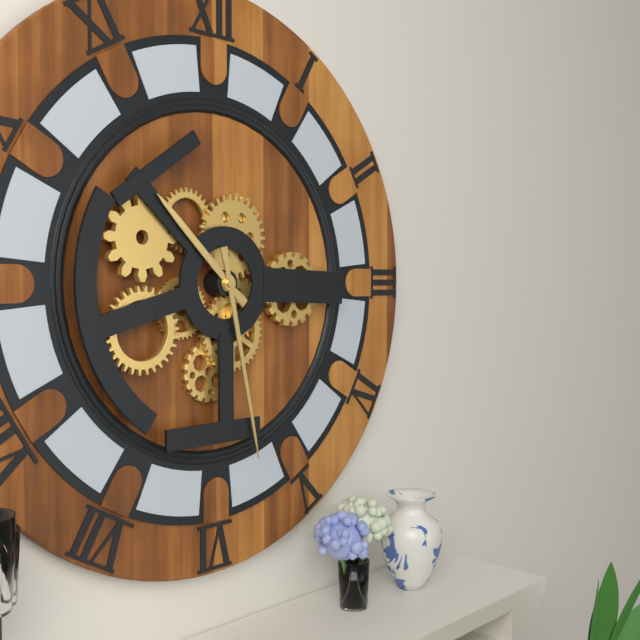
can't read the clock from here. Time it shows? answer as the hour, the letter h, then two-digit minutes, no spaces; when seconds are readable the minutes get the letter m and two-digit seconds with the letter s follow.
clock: 10h28
